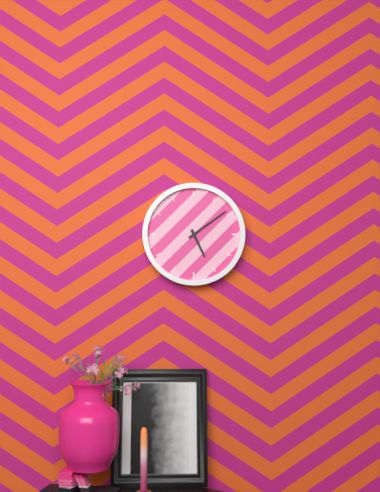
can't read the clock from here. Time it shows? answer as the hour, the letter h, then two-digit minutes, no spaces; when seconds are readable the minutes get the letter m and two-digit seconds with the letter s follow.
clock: 5h09
